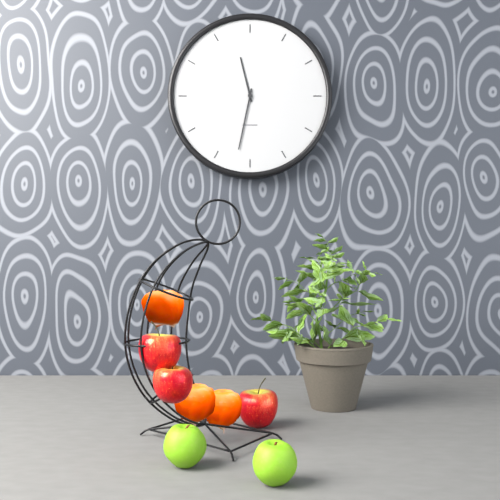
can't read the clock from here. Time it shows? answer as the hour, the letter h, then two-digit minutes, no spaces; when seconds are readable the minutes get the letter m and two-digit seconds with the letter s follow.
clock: 11h32
